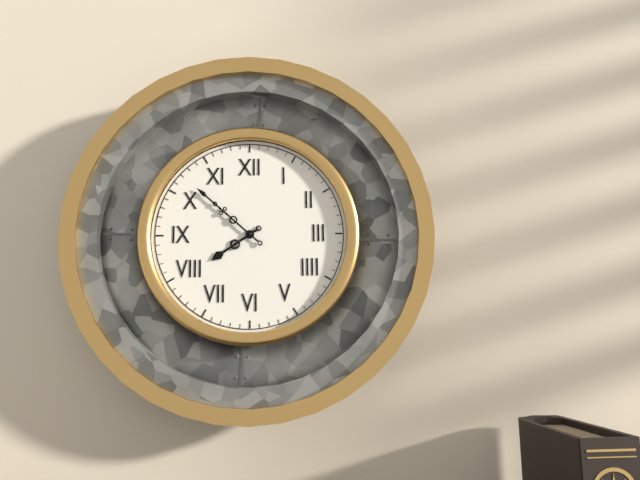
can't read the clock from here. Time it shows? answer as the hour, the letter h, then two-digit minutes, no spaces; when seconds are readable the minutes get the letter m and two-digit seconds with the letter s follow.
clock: 7h52
